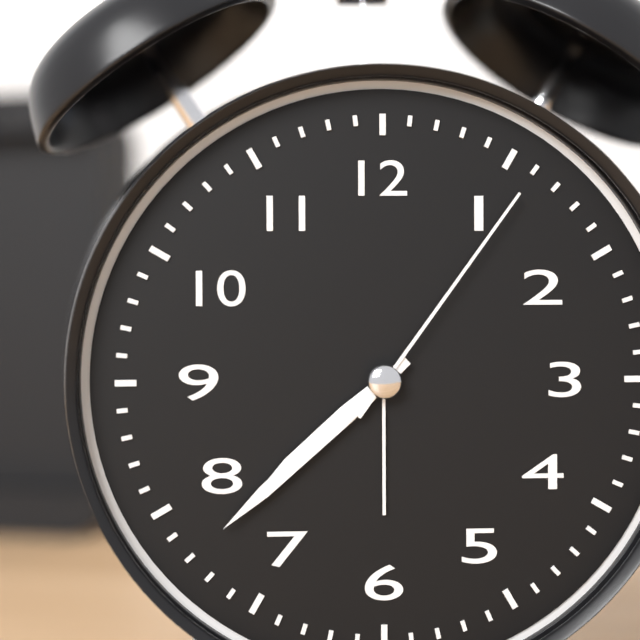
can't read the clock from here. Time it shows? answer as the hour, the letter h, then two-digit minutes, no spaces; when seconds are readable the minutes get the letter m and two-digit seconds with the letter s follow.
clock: 7h38m06s
